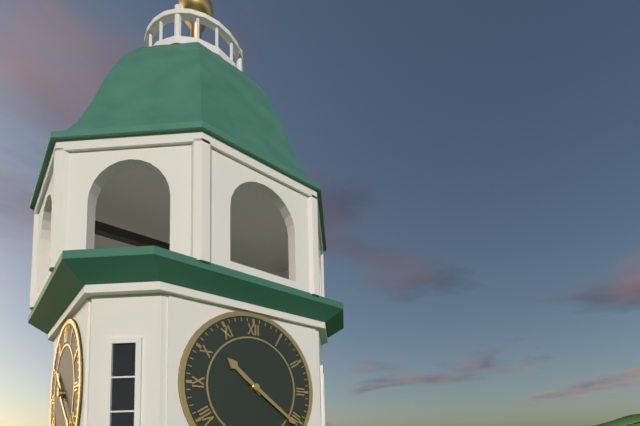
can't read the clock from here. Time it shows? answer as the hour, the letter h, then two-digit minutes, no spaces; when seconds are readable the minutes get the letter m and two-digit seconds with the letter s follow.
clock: 10h21
